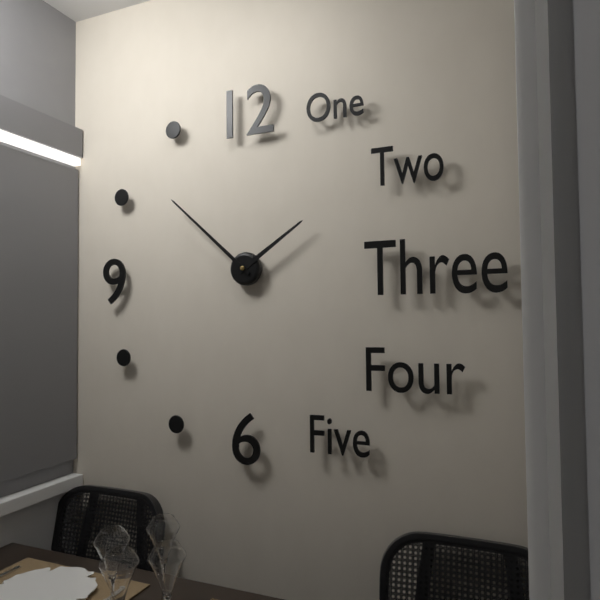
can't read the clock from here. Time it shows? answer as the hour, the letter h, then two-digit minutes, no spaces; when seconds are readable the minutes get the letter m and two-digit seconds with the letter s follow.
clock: 1h52
